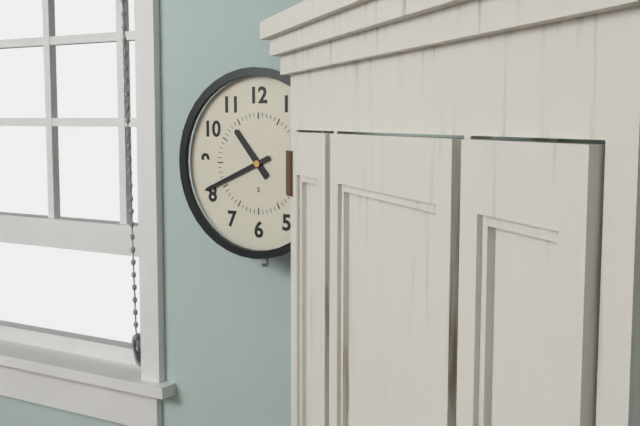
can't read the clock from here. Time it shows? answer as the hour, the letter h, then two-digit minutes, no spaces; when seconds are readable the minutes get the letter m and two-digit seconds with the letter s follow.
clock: 10h41
